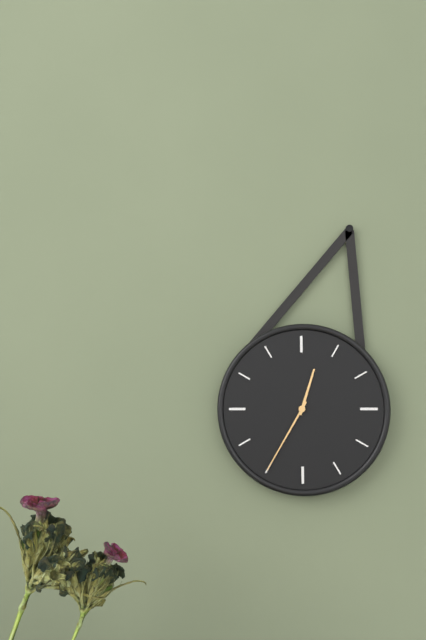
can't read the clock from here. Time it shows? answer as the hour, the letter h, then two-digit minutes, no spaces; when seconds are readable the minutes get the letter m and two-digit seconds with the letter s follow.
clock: 12h35
